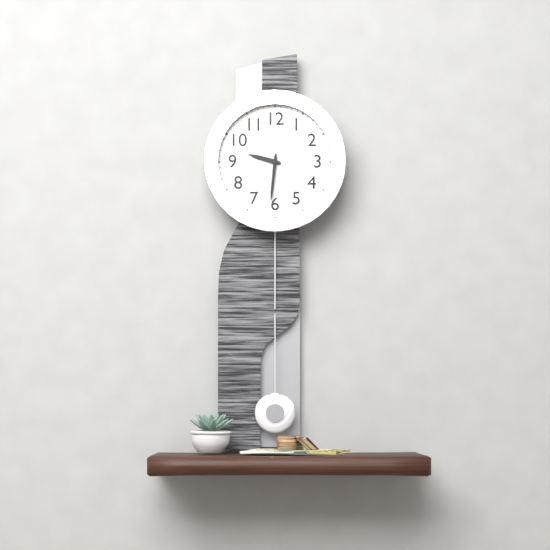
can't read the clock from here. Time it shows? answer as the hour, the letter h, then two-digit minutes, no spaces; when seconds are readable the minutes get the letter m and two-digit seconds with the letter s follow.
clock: 9h31
